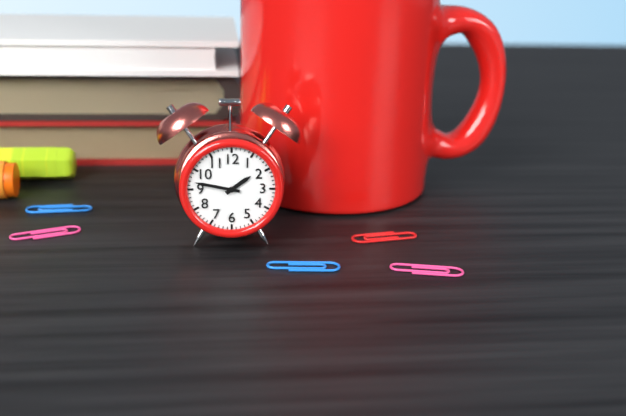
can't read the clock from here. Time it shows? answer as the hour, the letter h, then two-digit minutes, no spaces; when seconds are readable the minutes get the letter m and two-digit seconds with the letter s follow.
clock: 1h47
